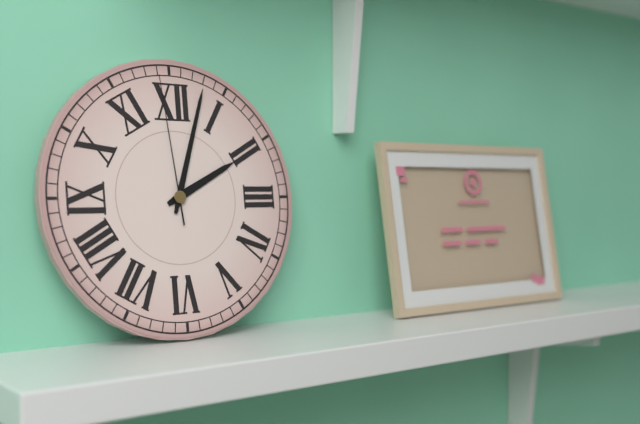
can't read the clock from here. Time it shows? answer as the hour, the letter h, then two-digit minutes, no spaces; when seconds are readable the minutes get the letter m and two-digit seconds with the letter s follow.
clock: 2h03m59s
